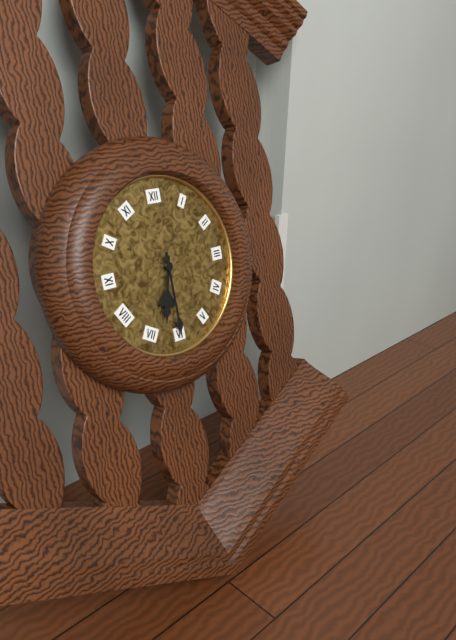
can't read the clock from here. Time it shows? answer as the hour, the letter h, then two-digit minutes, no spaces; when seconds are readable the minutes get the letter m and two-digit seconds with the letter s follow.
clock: 6h30
